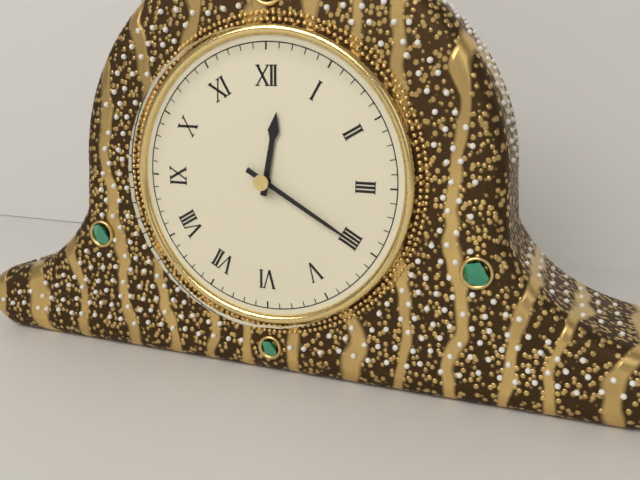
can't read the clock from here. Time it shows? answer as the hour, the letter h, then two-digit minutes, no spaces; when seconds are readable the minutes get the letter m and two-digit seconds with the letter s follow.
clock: 12h20
